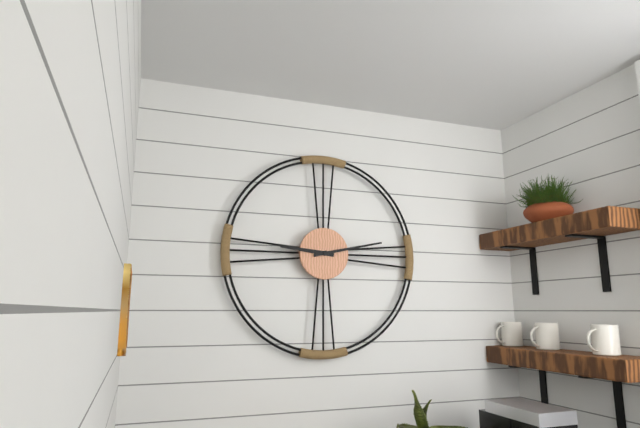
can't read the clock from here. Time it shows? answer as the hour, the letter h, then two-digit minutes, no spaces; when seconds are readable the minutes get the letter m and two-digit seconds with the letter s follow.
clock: 9h13
